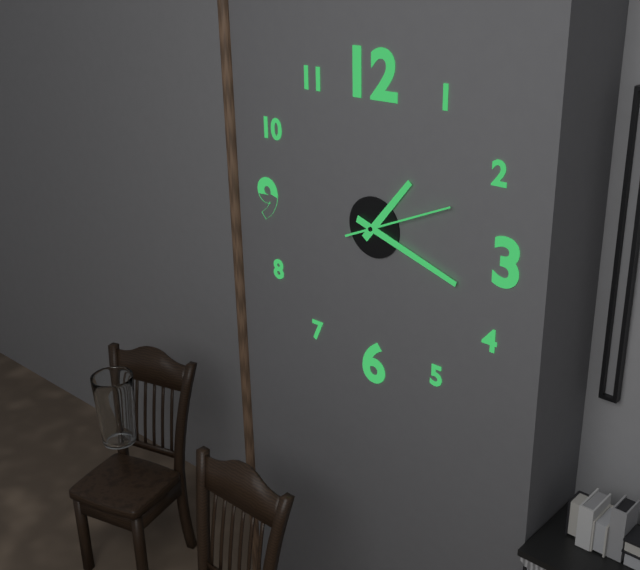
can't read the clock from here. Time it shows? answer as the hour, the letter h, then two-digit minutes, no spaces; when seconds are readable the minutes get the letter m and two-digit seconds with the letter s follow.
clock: 1h18m11s
